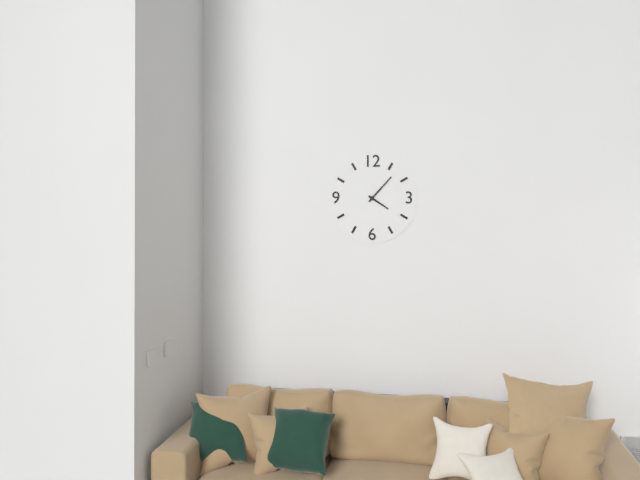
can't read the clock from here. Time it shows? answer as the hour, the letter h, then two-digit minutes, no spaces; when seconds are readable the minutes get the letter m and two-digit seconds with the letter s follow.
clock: 4h07
